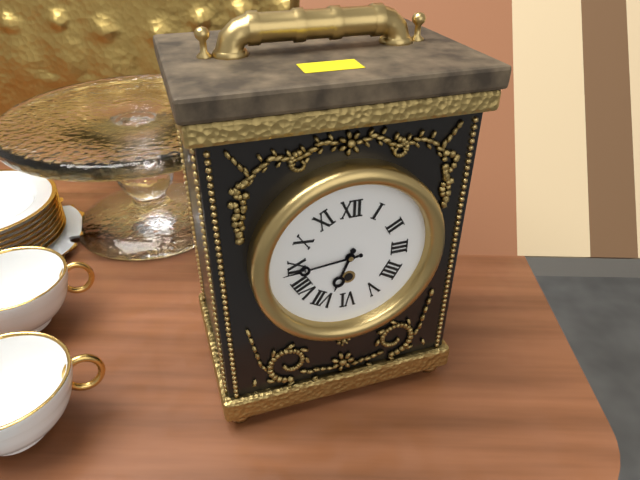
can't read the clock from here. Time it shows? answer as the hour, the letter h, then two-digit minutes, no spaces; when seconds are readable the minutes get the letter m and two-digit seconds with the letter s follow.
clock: 6h44
